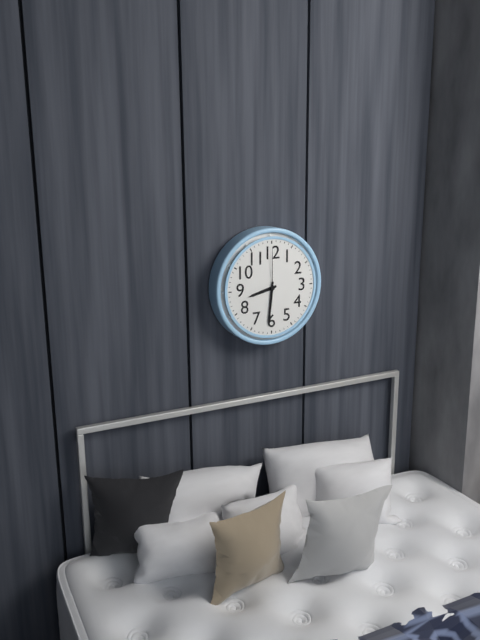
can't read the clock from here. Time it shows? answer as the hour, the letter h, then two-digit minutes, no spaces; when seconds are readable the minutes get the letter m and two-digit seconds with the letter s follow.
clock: 8h31m00s
